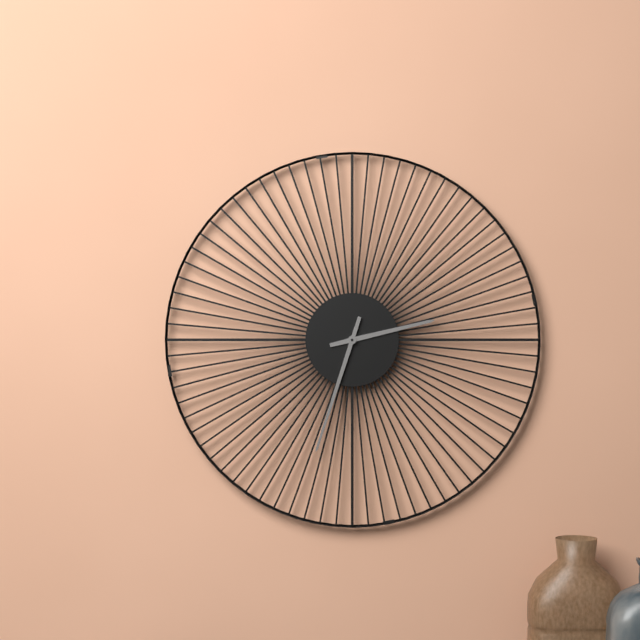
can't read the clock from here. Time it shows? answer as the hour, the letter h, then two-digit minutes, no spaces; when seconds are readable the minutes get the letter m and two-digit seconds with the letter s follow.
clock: 2h33
